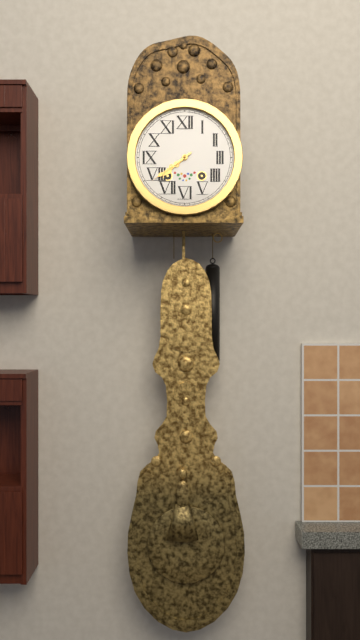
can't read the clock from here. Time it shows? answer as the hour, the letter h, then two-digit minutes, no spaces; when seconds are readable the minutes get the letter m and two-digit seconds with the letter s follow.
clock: 7h39
